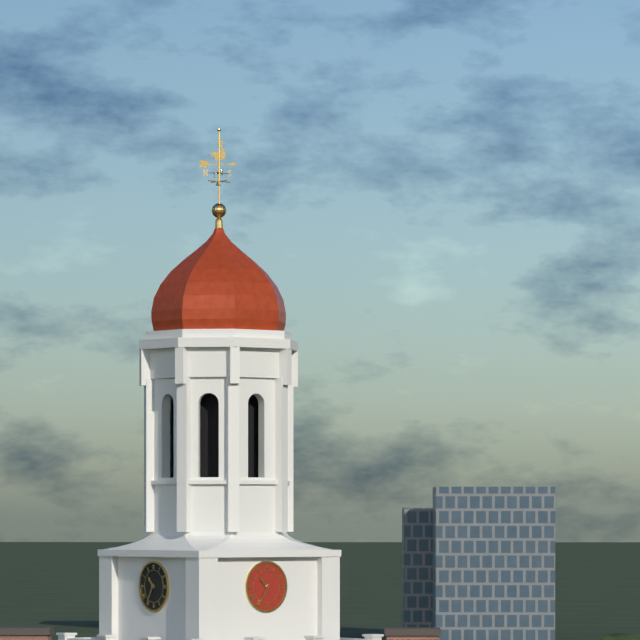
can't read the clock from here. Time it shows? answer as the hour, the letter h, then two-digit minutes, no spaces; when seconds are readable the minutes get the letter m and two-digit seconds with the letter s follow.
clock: 10h35
